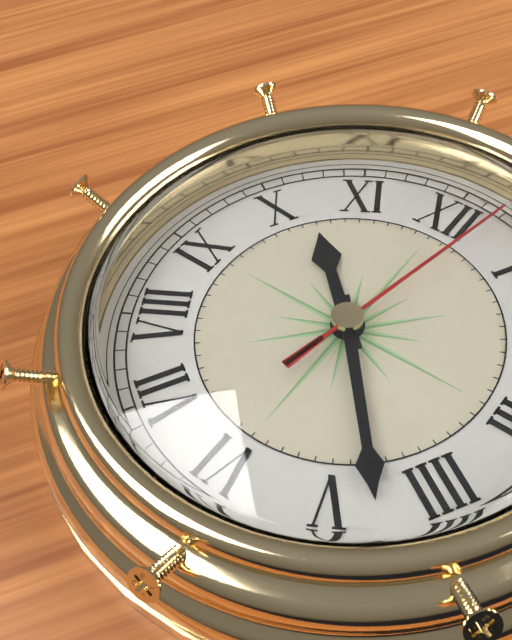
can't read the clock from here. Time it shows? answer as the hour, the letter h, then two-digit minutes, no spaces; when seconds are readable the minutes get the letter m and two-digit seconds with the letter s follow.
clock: 10h23m02s
